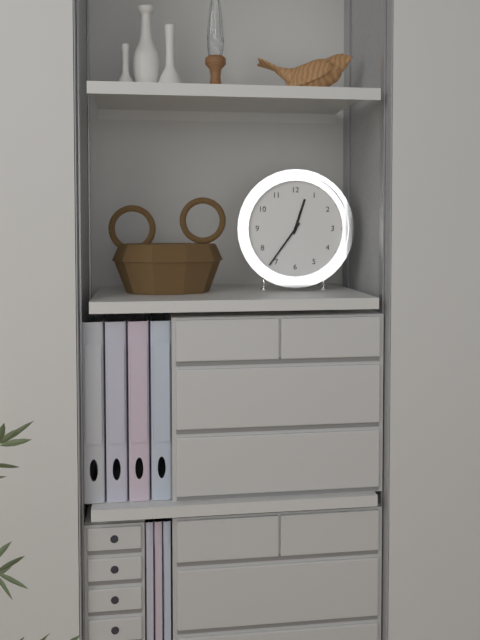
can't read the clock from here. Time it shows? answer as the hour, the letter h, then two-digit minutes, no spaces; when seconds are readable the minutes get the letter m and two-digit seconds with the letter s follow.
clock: 12h36
